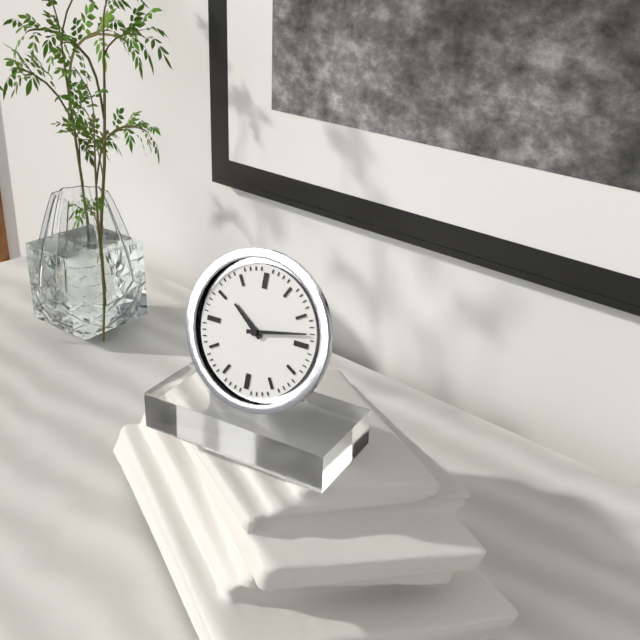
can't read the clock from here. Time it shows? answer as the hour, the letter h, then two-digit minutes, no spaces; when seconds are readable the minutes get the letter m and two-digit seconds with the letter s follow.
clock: 10h13
